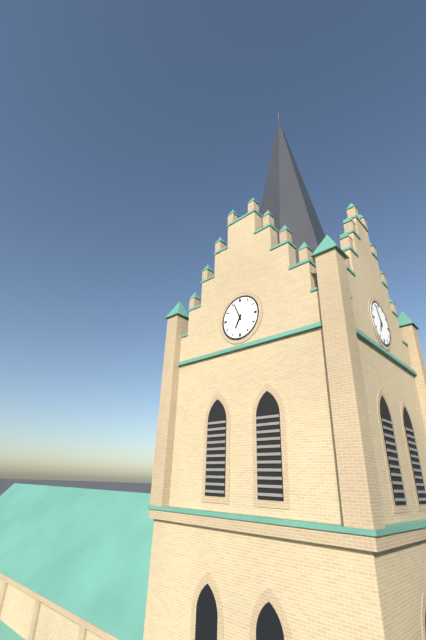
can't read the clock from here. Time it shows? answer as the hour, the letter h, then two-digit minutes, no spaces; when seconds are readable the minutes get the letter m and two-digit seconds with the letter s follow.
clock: 6h56
